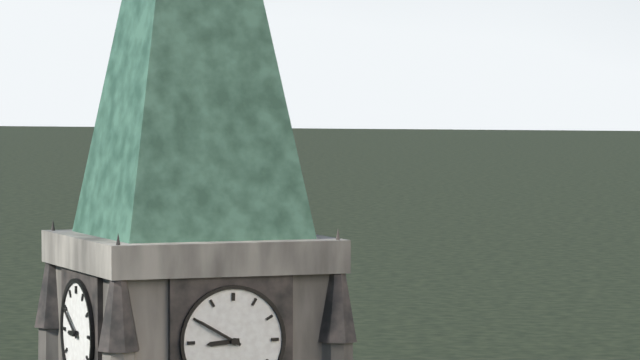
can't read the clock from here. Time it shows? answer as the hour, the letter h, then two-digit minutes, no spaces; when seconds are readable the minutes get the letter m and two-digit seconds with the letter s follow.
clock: 8h50
